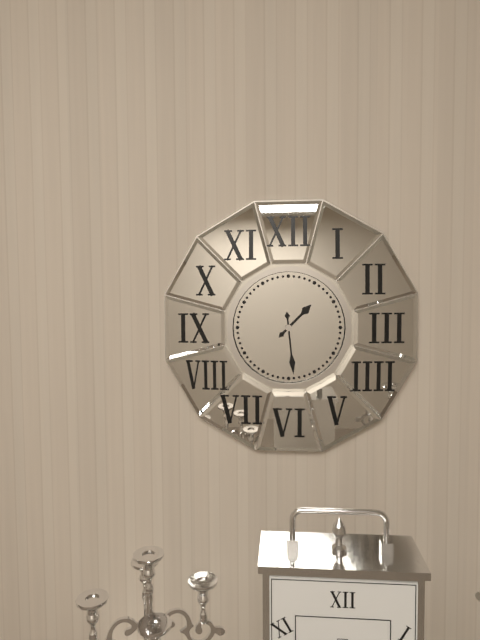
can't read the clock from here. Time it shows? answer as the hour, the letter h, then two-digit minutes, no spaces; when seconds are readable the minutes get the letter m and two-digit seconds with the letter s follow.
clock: 1h29
